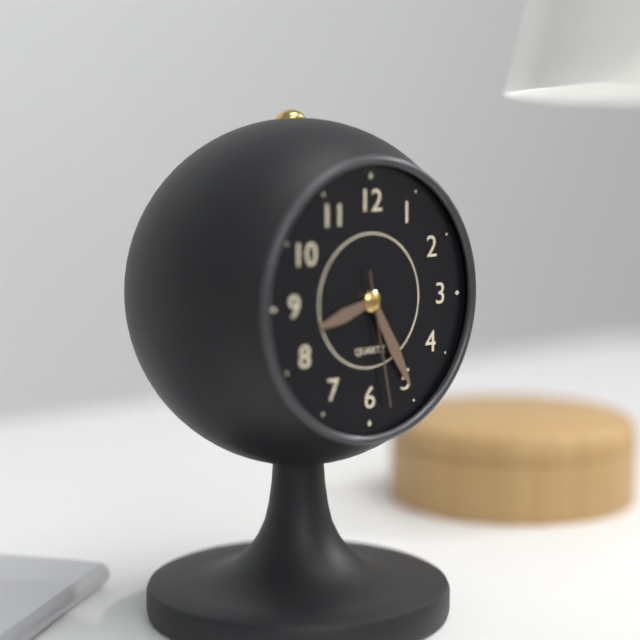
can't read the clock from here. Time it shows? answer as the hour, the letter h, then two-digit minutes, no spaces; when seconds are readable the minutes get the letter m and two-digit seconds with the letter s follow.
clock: 8h25m28s
